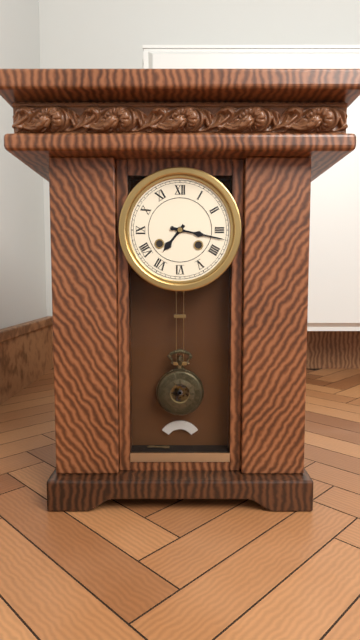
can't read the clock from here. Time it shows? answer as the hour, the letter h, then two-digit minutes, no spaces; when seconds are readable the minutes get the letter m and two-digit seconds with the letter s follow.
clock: 7h17
